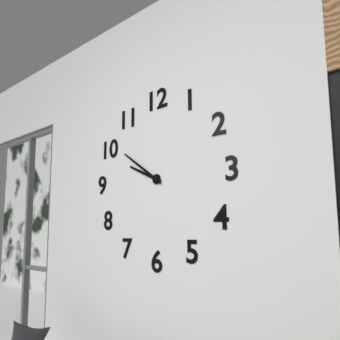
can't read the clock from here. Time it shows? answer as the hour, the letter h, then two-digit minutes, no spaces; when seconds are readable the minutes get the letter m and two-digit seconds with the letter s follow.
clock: 9h51
